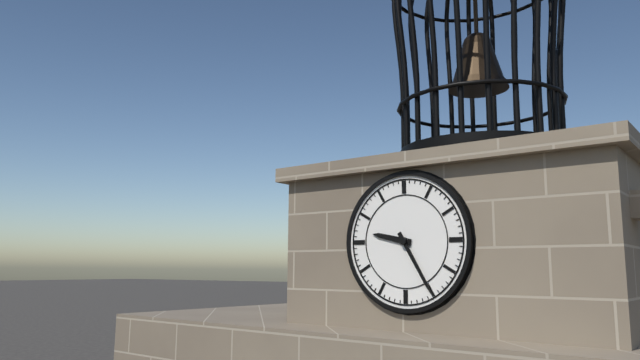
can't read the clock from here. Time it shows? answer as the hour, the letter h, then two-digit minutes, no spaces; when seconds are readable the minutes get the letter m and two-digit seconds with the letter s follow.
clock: 9h25
